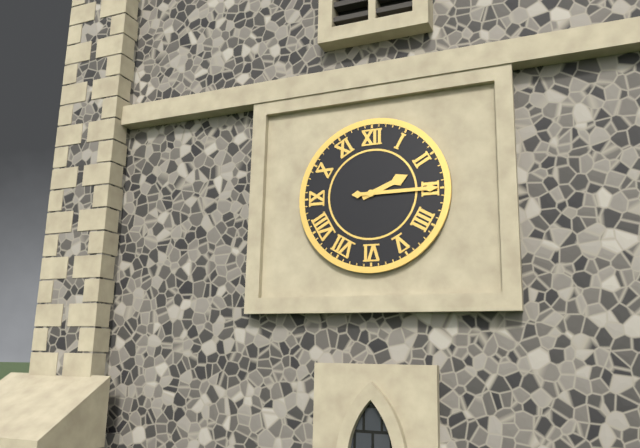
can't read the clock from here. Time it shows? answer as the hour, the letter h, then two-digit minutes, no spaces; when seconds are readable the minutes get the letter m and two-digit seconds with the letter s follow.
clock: 2h15
